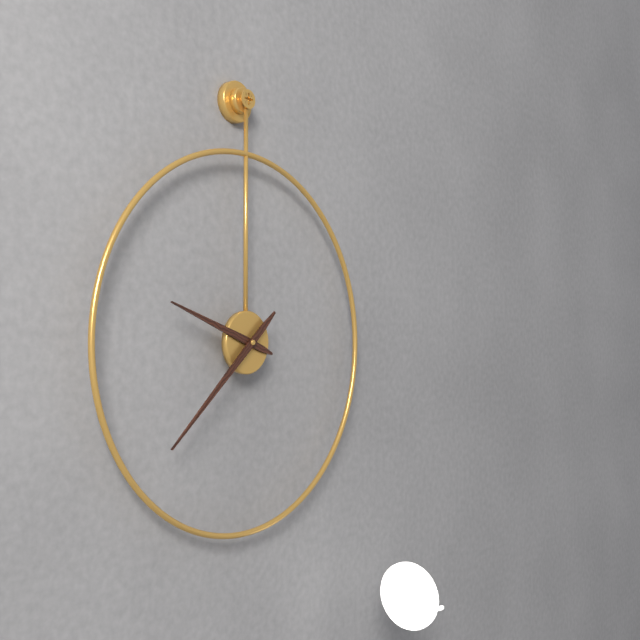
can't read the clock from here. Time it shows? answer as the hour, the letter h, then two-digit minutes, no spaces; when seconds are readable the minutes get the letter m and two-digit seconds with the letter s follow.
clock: 9h38
